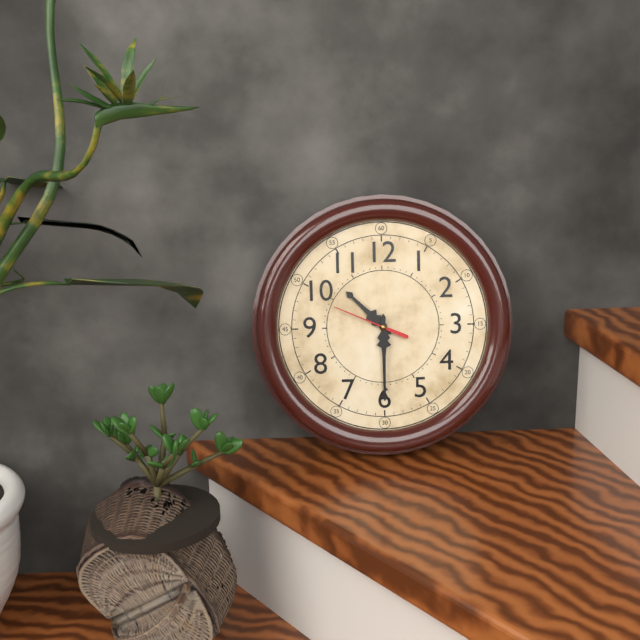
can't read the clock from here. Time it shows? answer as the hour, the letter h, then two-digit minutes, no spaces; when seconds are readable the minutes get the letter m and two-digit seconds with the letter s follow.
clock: 10h30m49s
